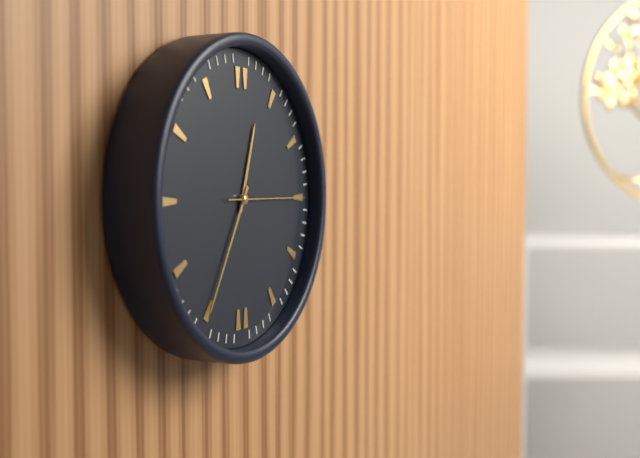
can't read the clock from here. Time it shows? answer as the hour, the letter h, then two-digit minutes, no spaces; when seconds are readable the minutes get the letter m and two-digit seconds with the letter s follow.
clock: 12h35m15s
